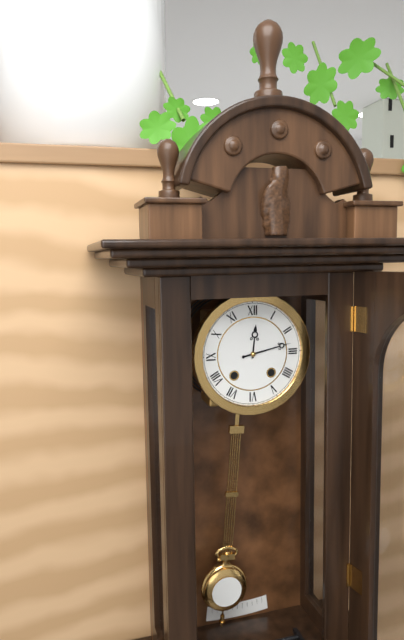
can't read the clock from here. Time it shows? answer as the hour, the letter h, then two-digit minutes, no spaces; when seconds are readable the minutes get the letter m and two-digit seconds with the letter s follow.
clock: 12h13
